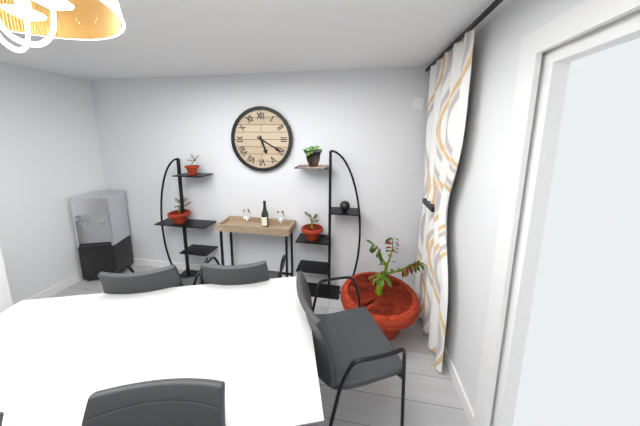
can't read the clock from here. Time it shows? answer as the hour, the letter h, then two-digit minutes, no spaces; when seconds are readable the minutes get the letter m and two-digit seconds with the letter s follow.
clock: 5h20
